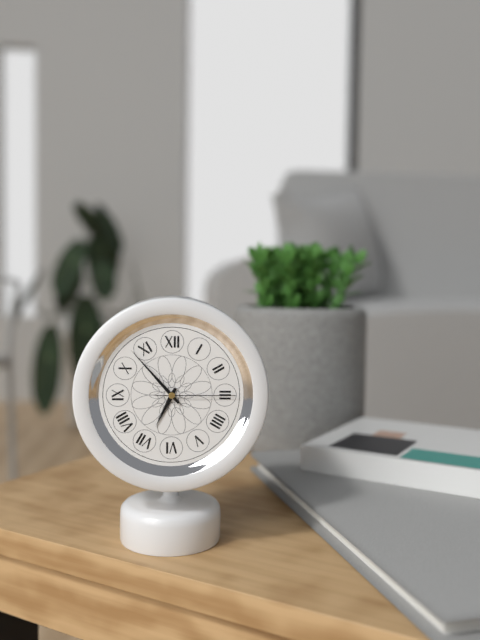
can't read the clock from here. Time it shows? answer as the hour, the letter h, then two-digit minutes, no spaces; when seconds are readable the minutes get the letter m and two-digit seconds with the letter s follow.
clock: 6h53m15s
